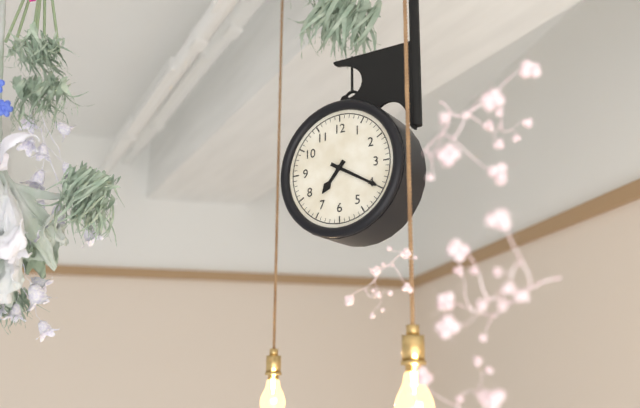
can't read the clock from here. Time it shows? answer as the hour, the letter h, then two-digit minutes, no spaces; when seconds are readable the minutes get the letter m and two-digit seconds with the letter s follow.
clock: 7h20
